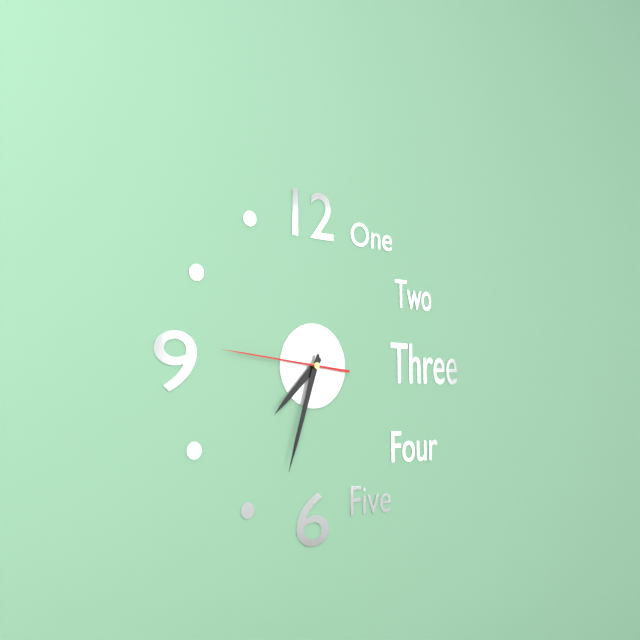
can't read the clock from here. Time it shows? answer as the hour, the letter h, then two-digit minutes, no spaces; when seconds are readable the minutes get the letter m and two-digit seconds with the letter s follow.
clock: 7h33m46s
